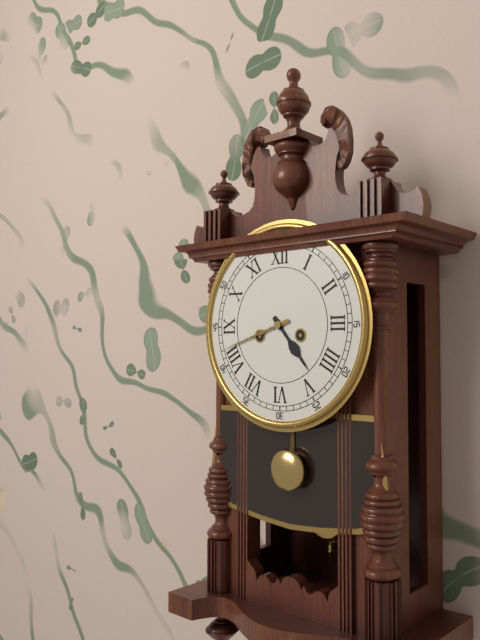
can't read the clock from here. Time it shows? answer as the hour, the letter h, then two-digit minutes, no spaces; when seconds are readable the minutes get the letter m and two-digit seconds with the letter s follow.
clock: 4h42
